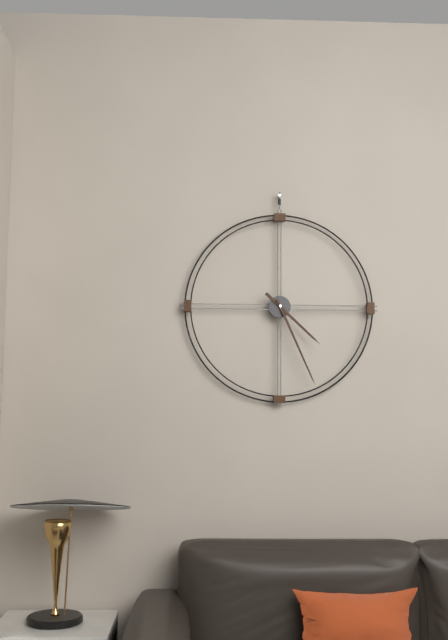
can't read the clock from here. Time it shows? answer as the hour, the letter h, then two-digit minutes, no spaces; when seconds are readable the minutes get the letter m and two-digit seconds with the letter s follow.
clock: 4h26
